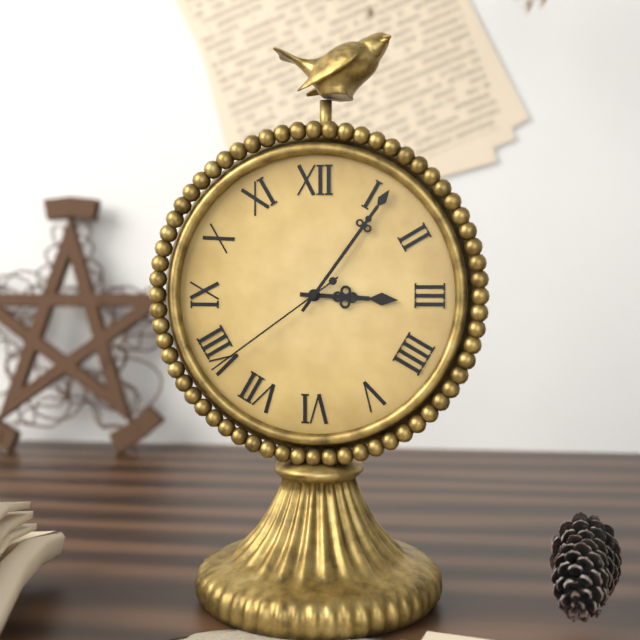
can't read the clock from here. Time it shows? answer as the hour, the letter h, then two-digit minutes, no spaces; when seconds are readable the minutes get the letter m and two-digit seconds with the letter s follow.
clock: 3h06m39s
